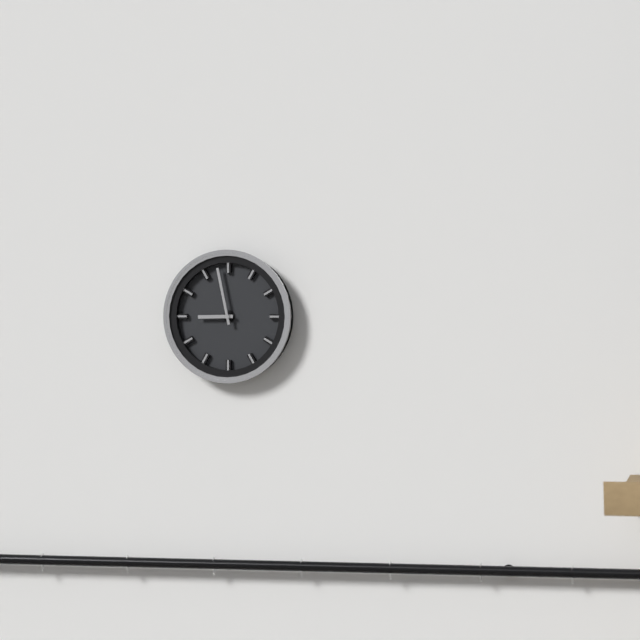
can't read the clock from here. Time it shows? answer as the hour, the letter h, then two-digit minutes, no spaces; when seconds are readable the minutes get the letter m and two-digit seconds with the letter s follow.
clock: 8h58
